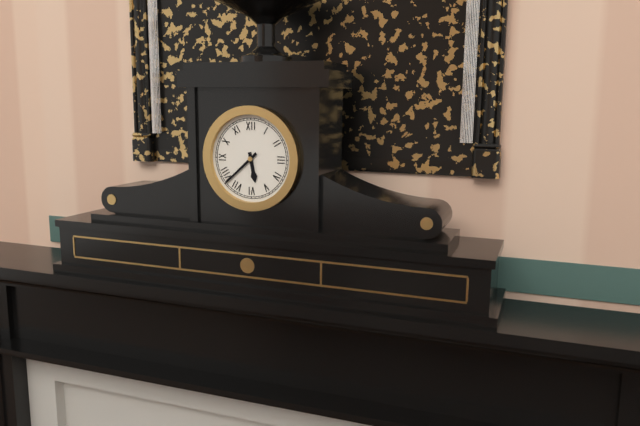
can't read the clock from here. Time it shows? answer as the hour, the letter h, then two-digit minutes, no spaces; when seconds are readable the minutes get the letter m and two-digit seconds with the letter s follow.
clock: 5h38
